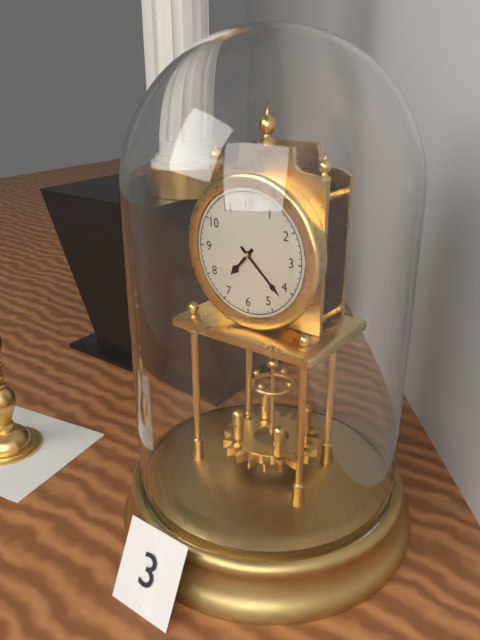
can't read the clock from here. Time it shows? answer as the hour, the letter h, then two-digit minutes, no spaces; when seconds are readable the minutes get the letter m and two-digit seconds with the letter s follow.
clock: 7h22
